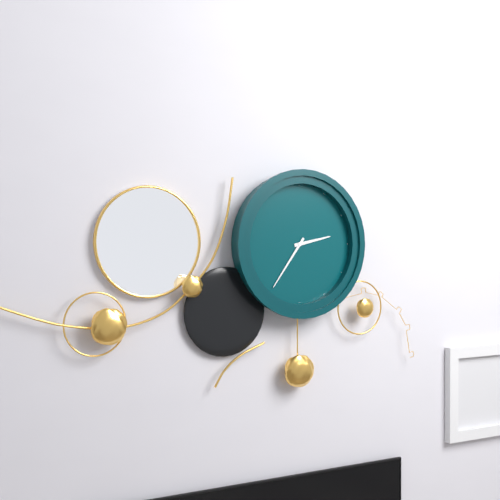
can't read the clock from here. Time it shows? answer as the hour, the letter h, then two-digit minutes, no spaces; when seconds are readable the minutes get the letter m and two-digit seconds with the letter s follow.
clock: 2h36
